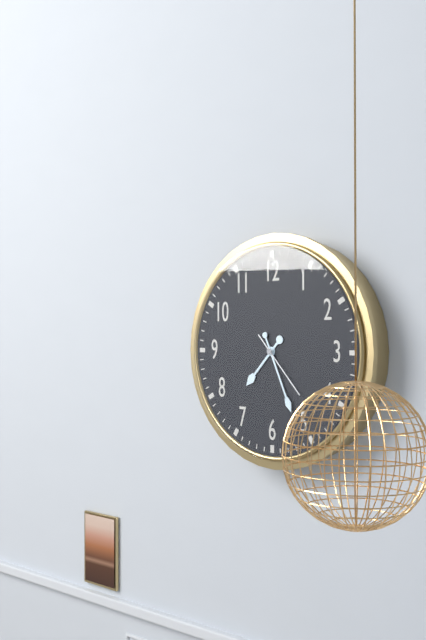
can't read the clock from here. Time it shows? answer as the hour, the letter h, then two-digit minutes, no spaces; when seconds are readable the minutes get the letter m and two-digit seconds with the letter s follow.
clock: 7h26m23s
